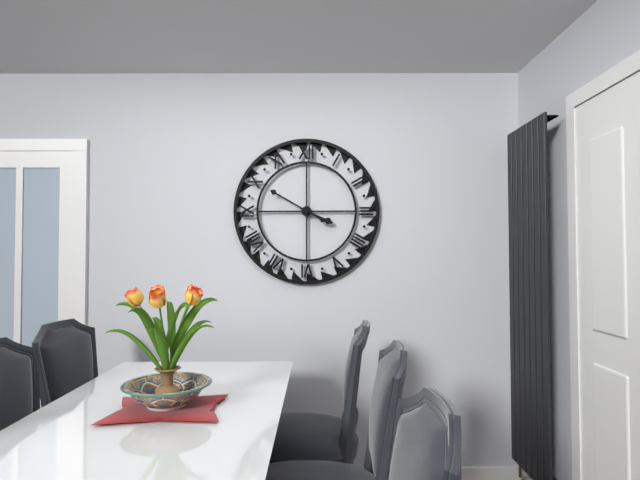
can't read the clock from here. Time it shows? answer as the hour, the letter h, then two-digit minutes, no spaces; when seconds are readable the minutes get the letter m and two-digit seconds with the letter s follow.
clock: 3h50
